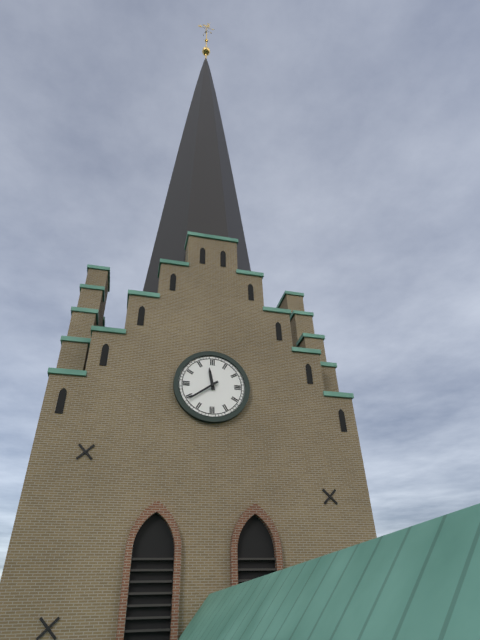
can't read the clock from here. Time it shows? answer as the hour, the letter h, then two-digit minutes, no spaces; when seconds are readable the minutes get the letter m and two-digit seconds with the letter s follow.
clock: 11h39
